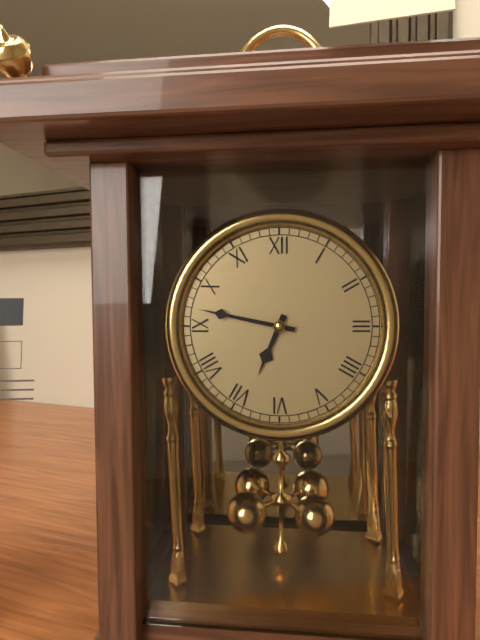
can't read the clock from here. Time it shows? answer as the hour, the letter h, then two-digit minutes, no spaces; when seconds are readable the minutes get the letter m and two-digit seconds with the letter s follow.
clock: 6h47
